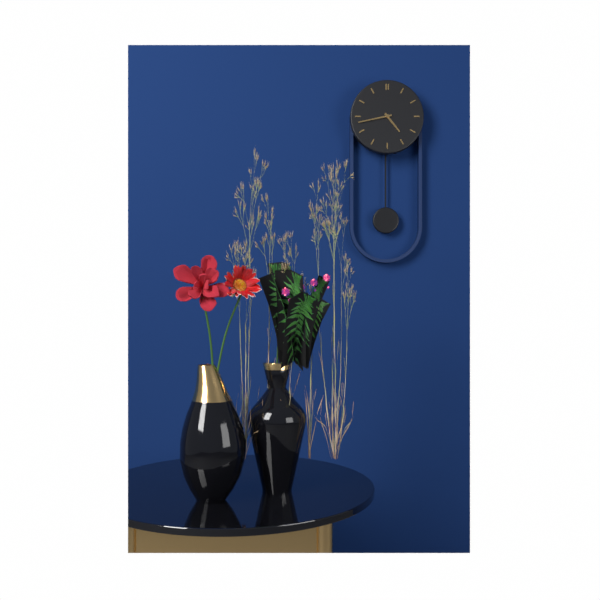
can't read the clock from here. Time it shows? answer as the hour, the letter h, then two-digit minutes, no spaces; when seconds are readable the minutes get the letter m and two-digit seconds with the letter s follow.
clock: 4h43
